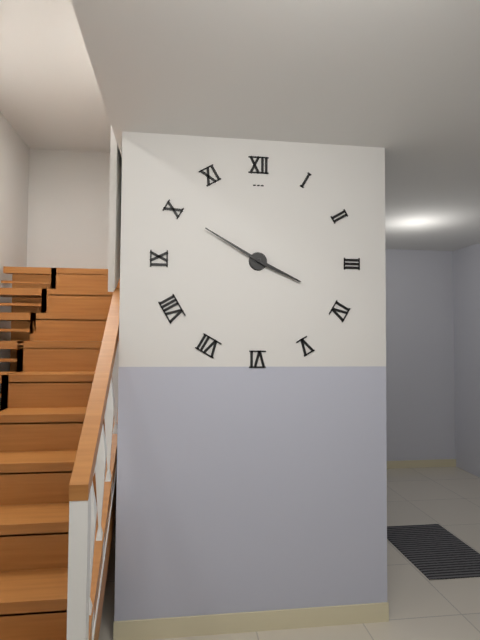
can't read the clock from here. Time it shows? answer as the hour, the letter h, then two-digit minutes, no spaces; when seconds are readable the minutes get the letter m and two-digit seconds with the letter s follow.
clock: 3h50
